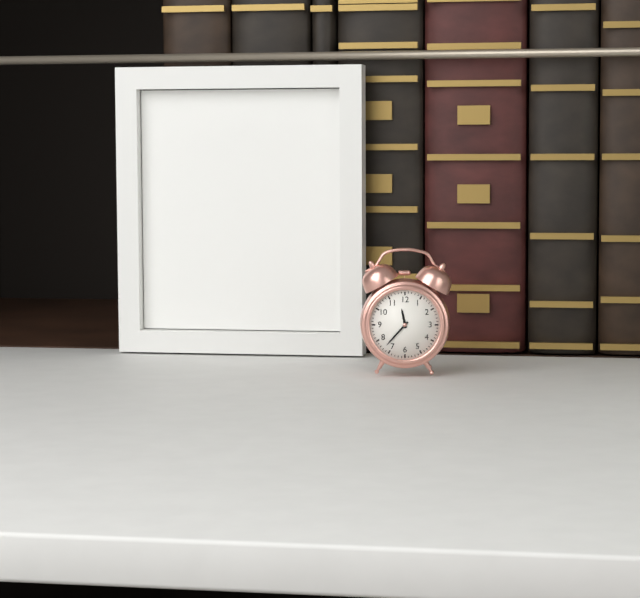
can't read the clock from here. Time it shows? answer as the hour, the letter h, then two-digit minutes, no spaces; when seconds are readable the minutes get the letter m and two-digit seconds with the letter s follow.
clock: 11h37
